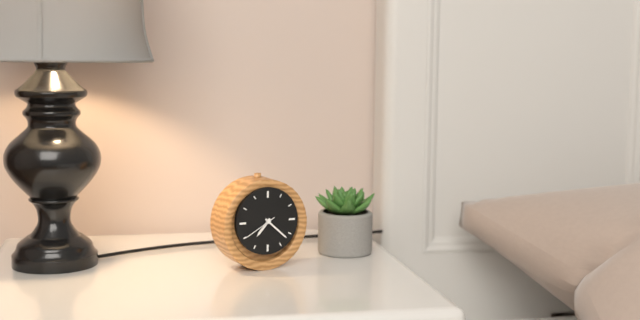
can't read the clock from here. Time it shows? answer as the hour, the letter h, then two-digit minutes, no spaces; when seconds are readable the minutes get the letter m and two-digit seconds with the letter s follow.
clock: 7h22
